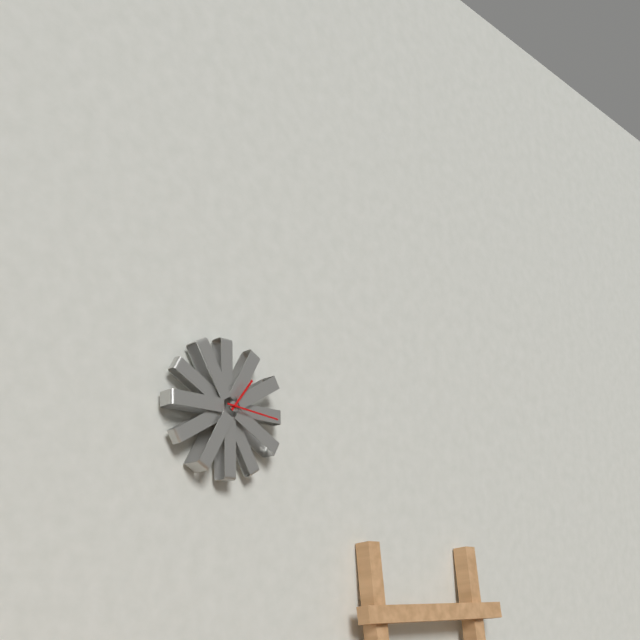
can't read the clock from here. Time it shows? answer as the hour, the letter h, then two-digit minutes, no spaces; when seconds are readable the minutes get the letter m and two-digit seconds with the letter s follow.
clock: 1h16
